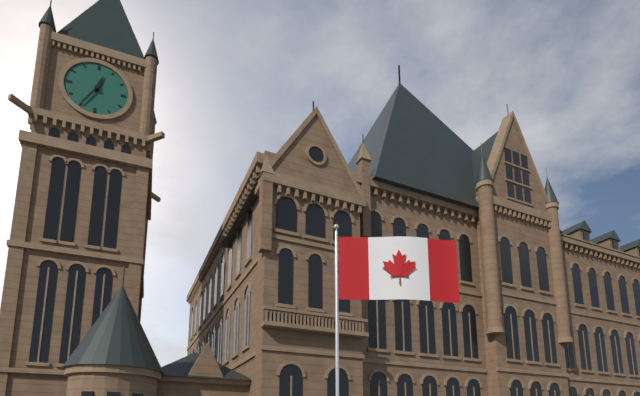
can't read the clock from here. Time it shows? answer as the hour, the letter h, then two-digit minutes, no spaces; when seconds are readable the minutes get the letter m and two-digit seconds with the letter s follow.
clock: 12h35
